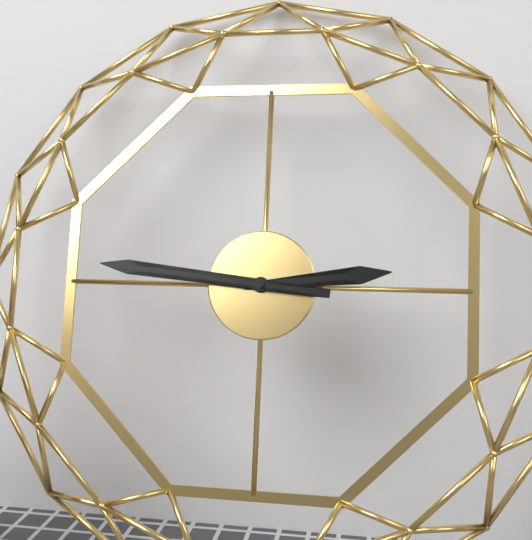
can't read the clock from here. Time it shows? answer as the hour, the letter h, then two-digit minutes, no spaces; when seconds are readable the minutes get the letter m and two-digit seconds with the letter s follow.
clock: 2h46
